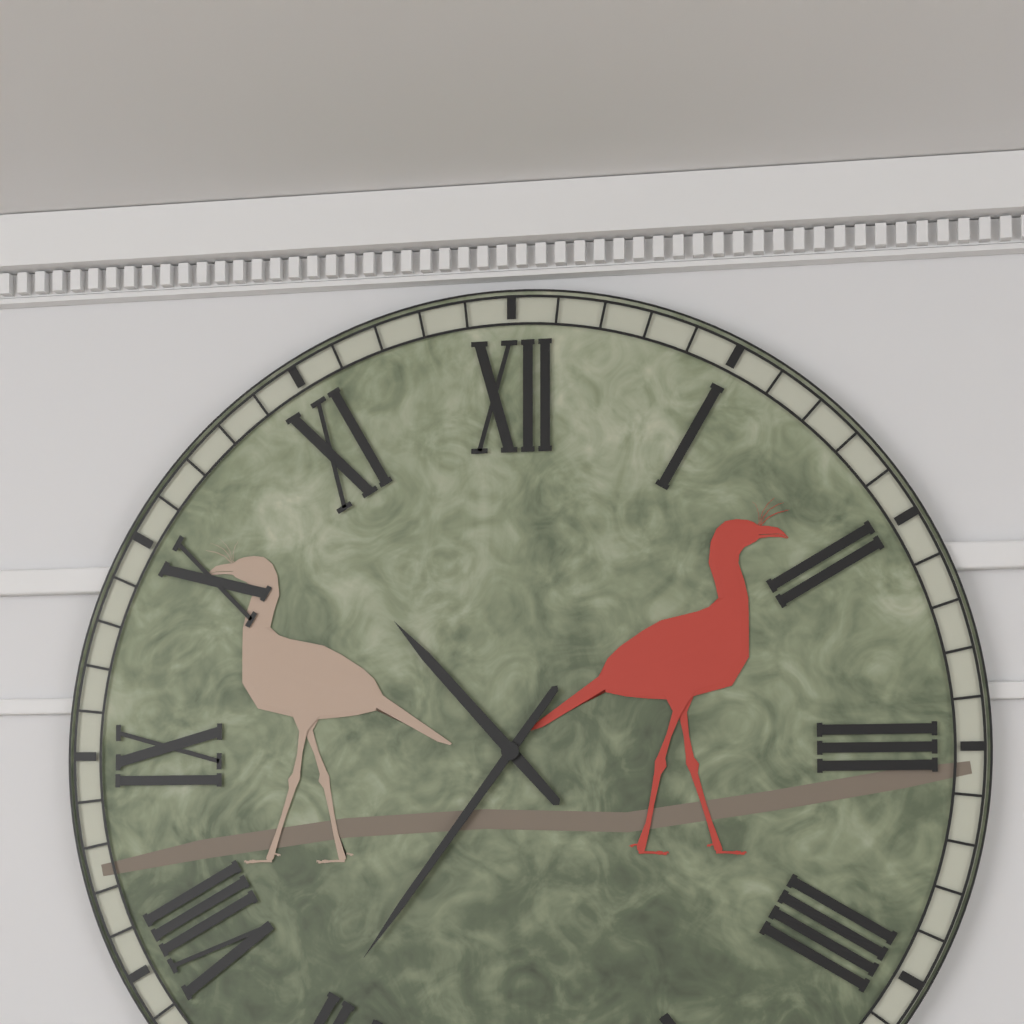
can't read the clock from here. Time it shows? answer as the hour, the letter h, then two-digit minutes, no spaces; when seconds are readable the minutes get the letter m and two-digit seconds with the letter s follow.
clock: 10h36
